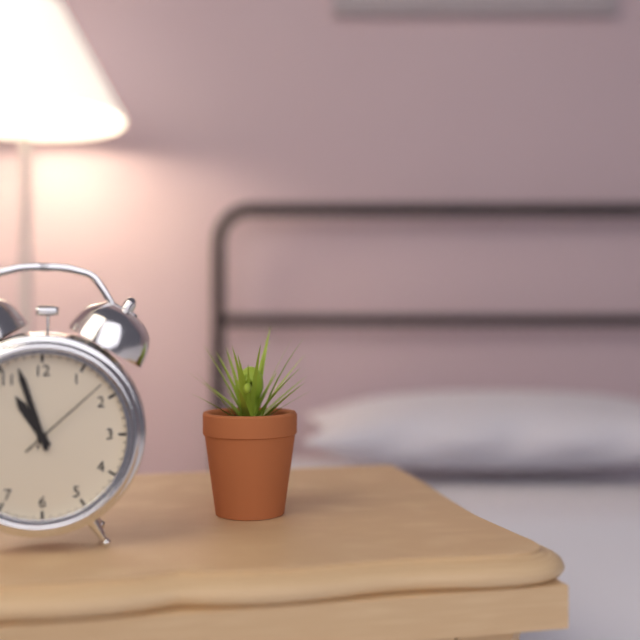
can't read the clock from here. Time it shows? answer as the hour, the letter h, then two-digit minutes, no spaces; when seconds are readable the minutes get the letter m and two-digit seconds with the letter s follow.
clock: 10h57m08s
